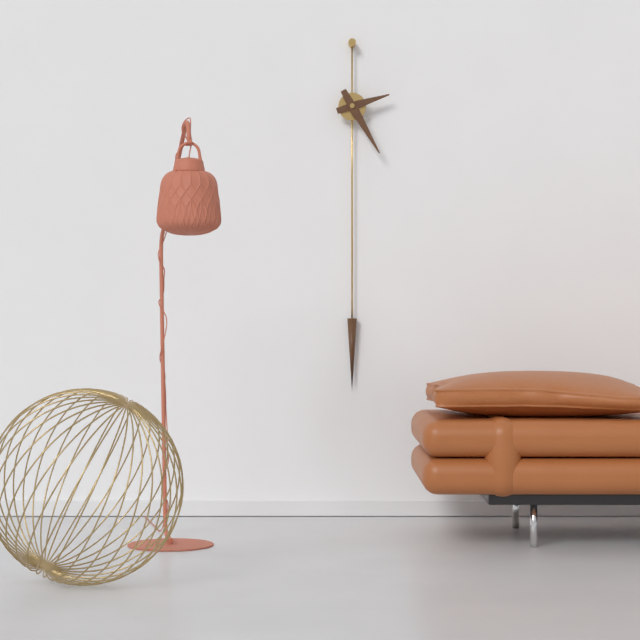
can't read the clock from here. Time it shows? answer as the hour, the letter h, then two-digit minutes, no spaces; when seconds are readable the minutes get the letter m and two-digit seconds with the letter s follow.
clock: 2h25
